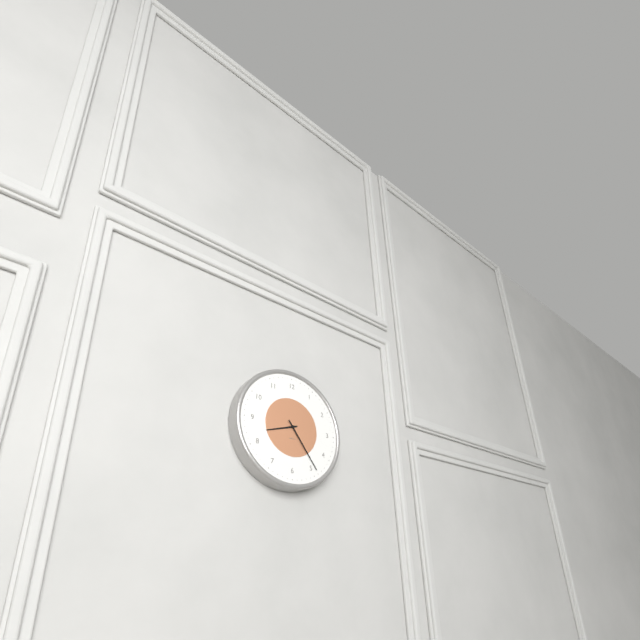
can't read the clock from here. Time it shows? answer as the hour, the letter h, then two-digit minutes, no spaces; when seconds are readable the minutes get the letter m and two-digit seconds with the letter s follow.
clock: 8h24
